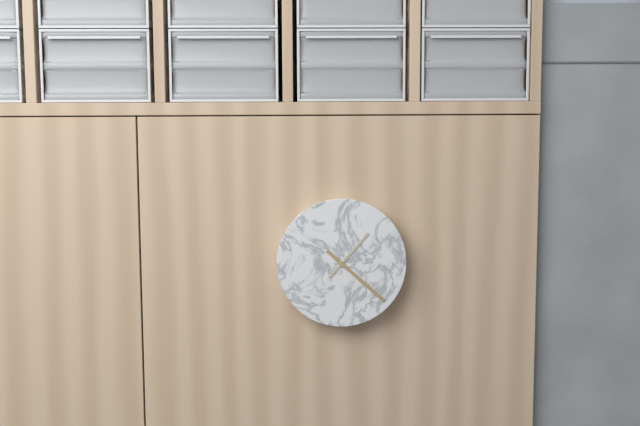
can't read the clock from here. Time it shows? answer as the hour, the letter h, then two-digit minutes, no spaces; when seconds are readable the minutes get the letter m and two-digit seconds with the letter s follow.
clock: 1h22
